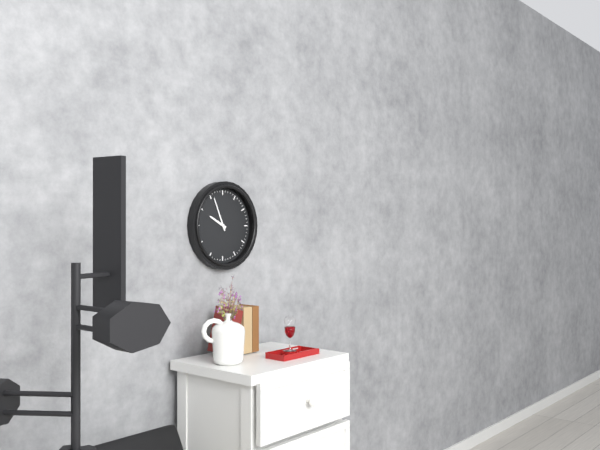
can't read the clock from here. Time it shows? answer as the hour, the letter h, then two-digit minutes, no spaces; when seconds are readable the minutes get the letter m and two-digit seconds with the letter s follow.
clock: 9h56
